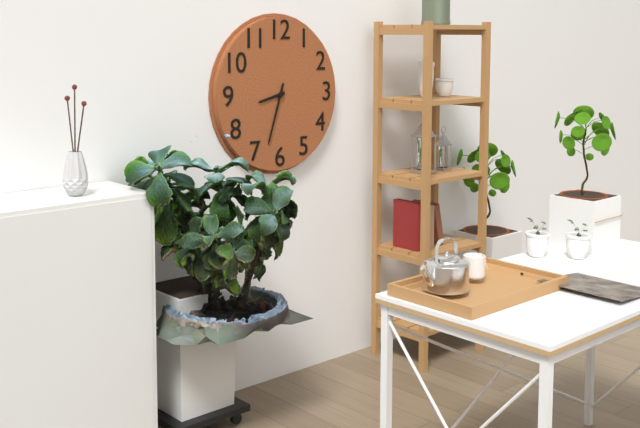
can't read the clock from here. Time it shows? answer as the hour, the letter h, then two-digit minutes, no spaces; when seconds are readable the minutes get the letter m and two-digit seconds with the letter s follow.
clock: 8h33
